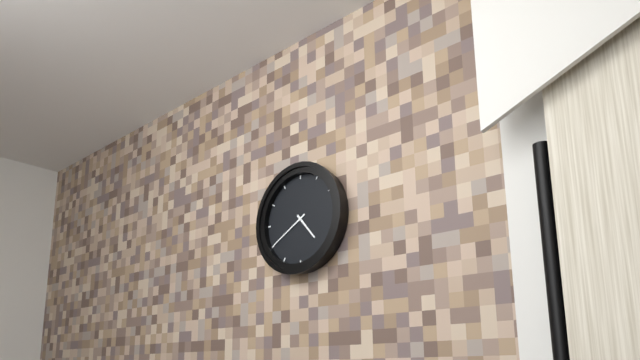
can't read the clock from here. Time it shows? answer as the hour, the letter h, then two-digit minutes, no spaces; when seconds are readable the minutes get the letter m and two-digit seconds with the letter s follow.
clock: 4h40
